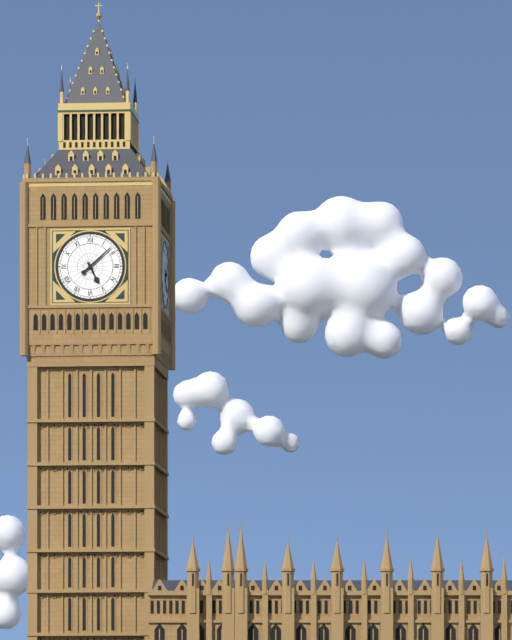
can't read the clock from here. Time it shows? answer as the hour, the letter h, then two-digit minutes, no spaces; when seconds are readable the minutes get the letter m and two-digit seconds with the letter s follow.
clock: 5h08
